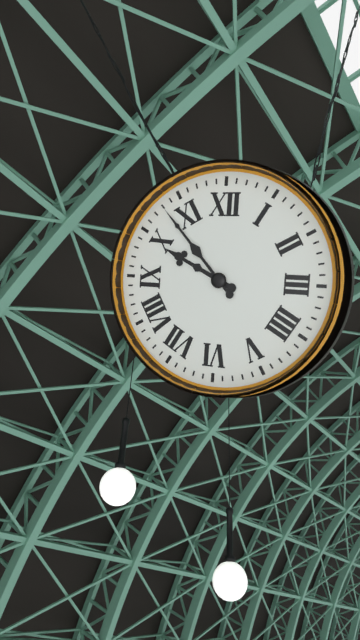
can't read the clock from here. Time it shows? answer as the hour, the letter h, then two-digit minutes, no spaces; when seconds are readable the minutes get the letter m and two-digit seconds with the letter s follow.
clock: 9h53
